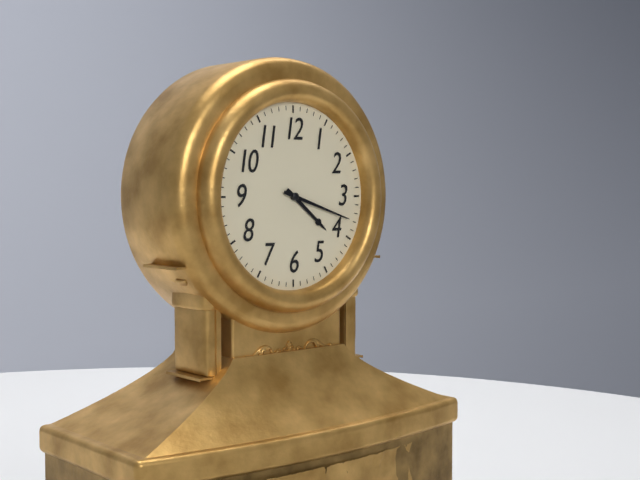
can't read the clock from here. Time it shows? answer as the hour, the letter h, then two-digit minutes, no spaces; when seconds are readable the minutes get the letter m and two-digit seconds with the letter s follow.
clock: 4h18
